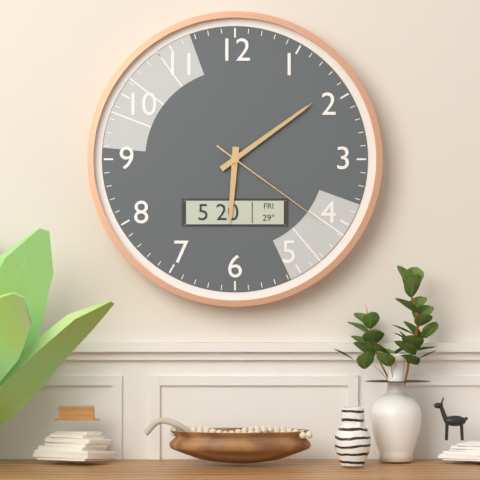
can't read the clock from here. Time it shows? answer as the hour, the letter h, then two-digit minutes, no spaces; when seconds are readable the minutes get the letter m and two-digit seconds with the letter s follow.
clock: 6h09m21s
